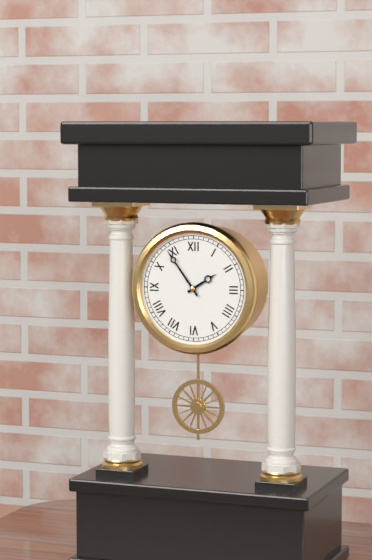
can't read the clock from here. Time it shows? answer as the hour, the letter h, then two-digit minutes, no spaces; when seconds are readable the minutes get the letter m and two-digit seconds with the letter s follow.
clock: 1h54
